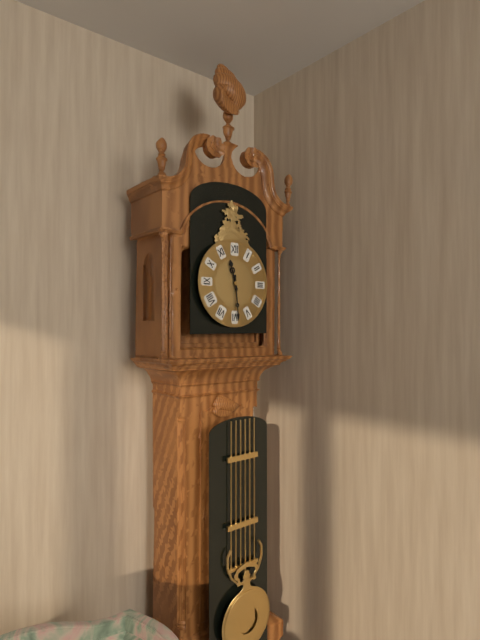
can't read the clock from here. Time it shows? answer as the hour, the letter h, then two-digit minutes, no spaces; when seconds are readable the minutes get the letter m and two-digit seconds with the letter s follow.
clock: 11h29
